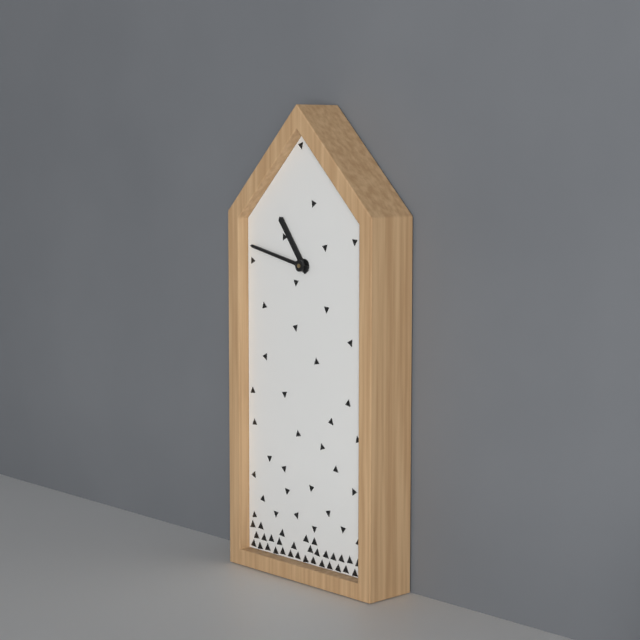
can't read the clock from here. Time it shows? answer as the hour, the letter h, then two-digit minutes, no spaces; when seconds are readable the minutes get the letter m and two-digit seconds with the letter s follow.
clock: 10h47
